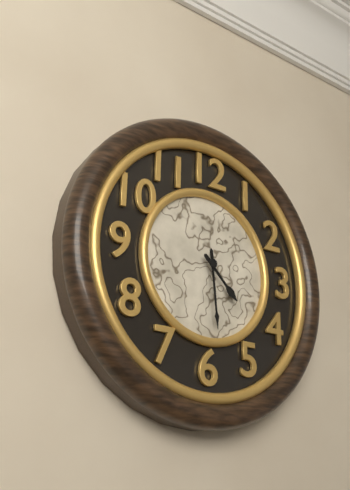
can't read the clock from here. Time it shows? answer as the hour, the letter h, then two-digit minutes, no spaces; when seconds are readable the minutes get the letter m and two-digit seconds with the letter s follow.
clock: 4h29
